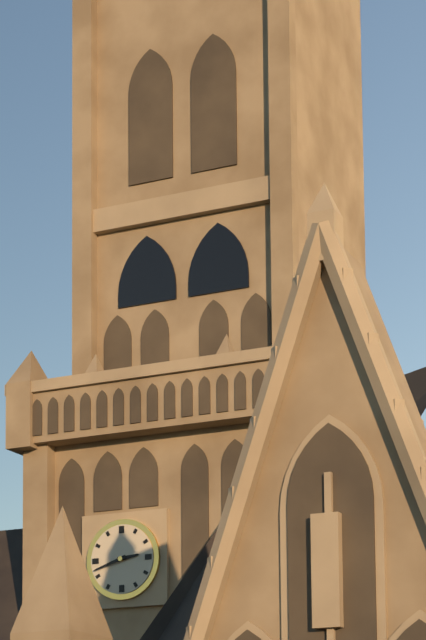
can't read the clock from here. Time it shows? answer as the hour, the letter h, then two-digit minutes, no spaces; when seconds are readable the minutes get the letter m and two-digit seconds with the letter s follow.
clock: 2h42
